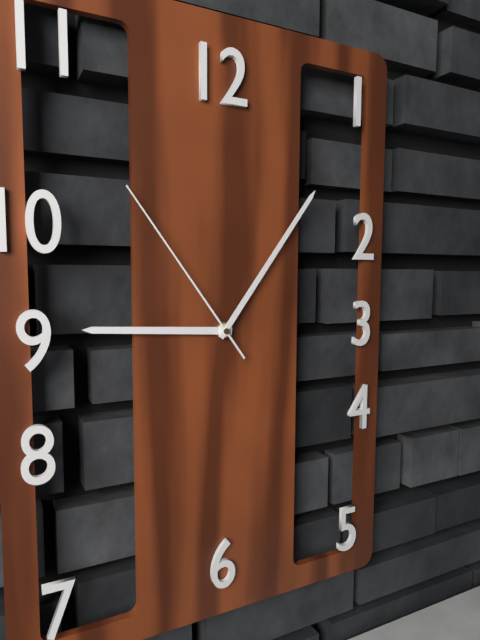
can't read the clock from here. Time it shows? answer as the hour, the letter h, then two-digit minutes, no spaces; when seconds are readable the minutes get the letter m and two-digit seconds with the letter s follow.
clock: 9h06m54s
